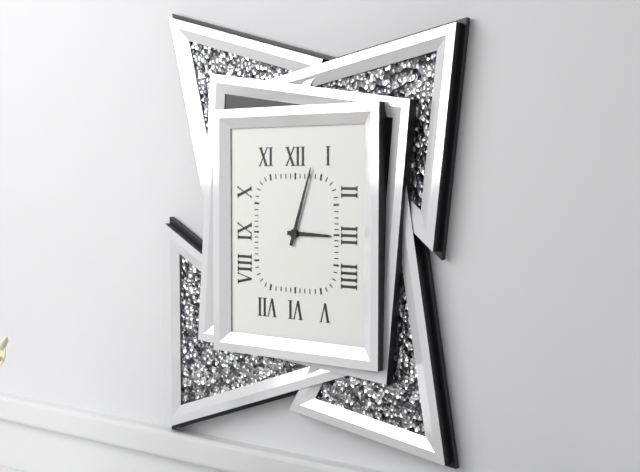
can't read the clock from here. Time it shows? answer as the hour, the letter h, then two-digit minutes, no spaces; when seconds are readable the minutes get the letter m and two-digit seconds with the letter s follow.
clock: 3h03
